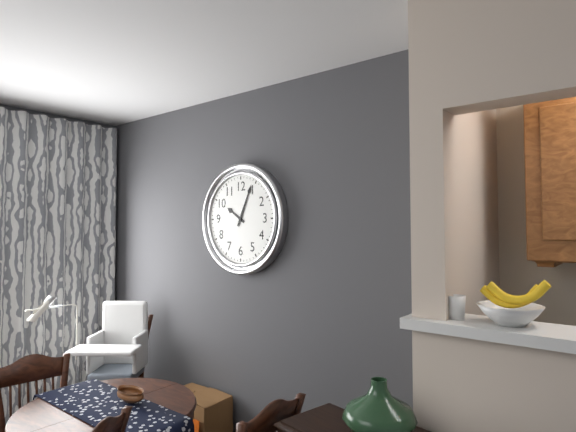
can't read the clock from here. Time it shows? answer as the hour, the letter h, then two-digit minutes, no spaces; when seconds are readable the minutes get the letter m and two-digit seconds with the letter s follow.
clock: 10h04
